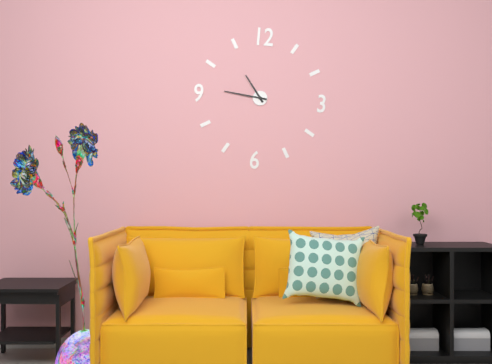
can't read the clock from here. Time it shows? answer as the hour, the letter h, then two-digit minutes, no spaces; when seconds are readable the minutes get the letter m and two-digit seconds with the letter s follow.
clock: 10h46
